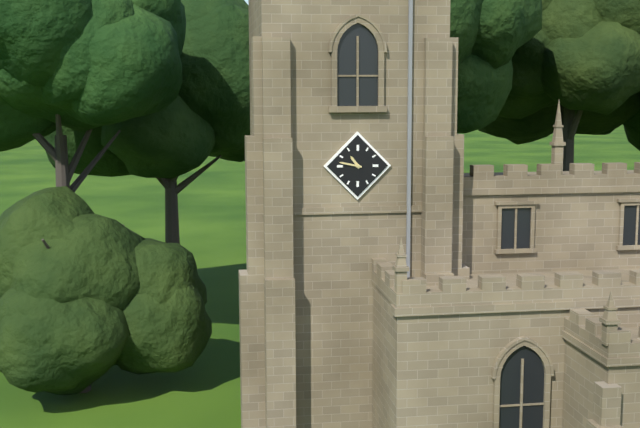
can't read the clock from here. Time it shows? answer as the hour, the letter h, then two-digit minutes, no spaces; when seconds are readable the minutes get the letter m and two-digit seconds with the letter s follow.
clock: 10h47
